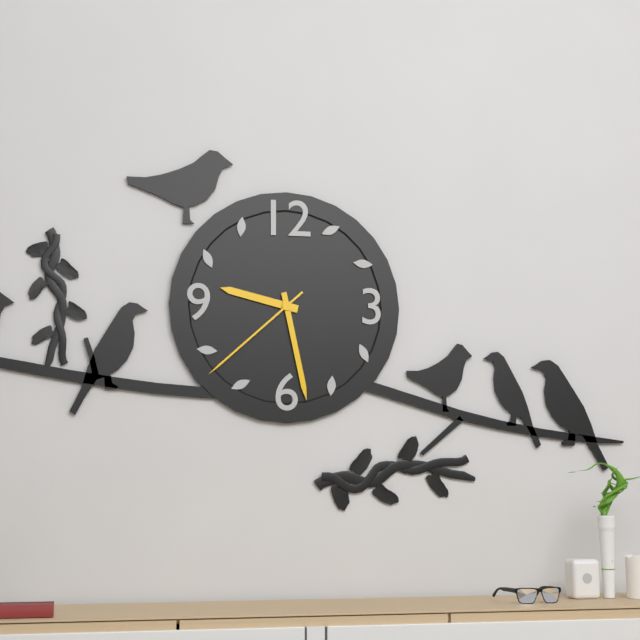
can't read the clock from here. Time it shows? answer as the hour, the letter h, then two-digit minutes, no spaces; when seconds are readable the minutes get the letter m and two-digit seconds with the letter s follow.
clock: 9h28m38s
